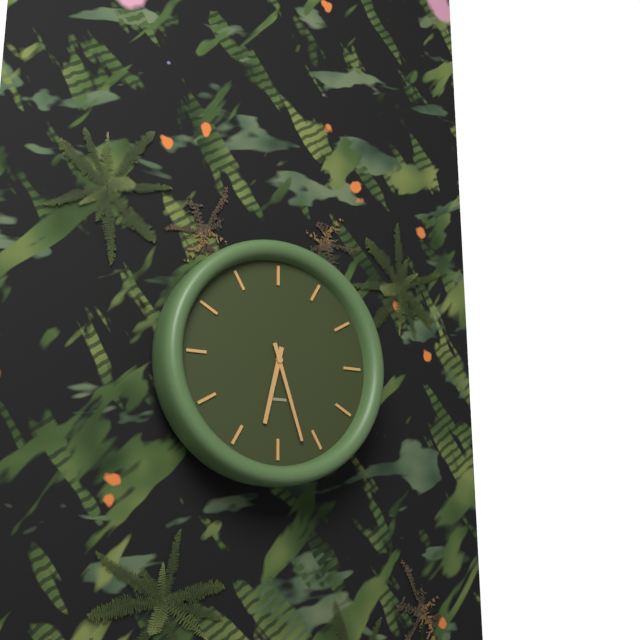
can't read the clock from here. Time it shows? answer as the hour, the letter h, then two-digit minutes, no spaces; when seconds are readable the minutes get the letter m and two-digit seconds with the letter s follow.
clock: 6h27
